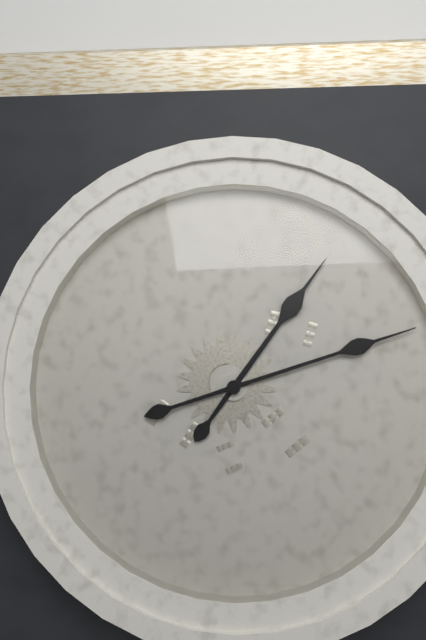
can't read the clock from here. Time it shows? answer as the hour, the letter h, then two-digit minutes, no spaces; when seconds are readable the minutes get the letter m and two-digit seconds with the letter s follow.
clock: 1h12
